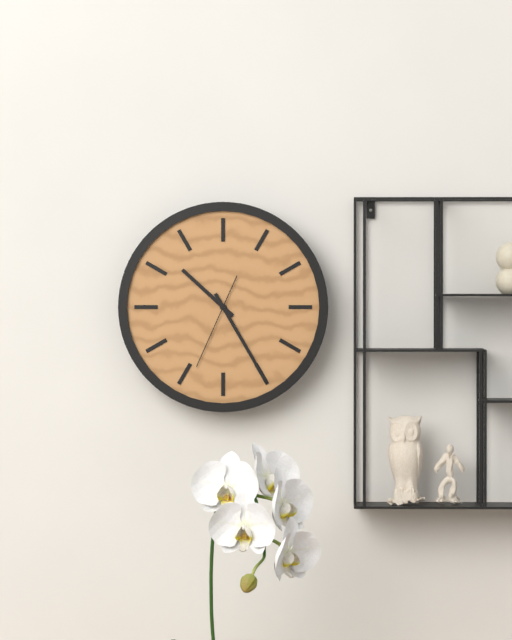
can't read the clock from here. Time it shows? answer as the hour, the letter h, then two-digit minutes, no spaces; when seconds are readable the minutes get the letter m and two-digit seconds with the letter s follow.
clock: 10h25m34s
